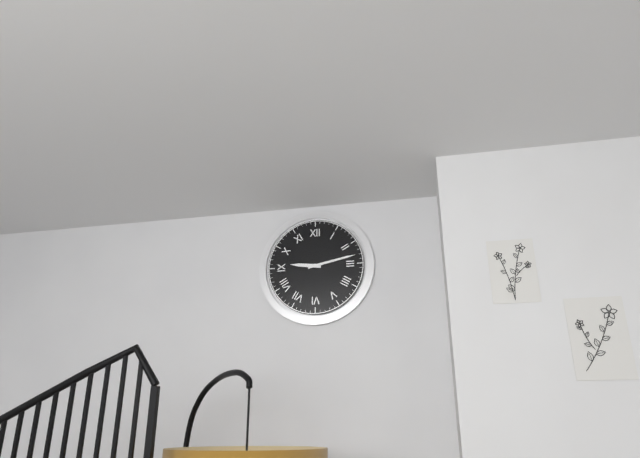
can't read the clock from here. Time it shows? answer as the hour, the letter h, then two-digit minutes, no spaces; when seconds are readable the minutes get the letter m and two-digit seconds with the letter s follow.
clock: 9h13
